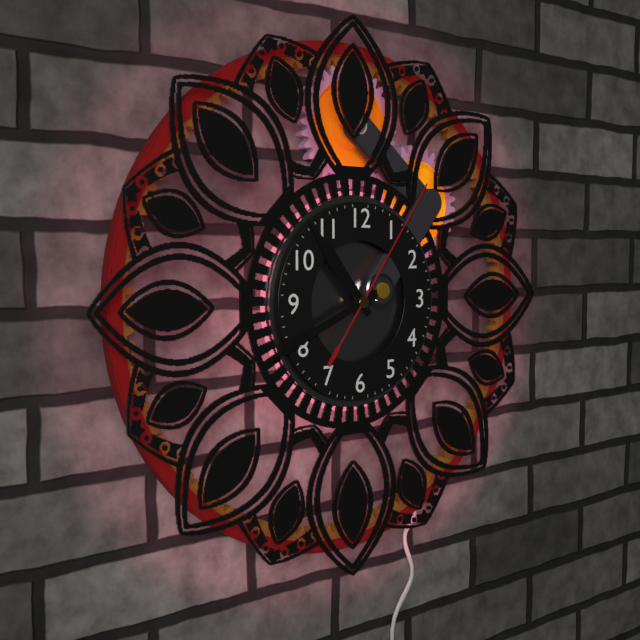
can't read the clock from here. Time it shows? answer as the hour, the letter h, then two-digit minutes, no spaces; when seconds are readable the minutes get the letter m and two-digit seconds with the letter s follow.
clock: 10h41m06s
